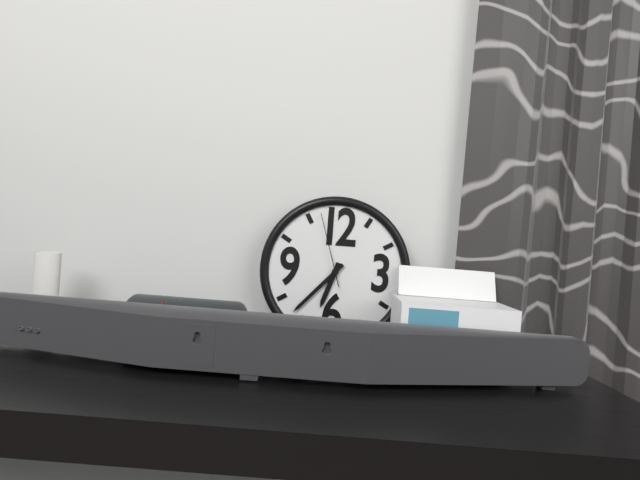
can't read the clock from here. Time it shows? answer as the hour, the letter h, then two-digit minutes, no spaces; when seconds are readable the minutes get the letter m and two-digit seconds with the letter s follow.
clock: 6h37m57s
